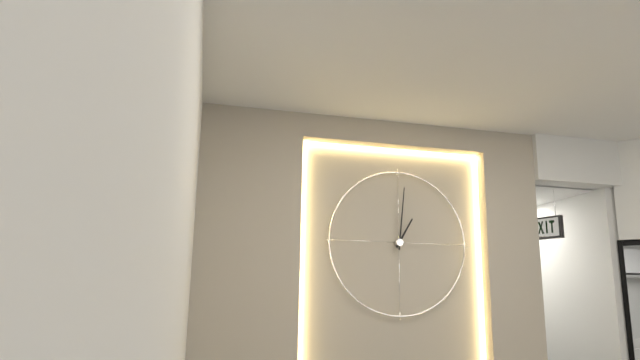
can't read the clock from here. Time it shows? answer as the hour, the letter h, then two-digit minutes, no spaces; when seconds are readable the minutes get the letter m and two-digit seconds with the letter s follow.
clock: 1h01
